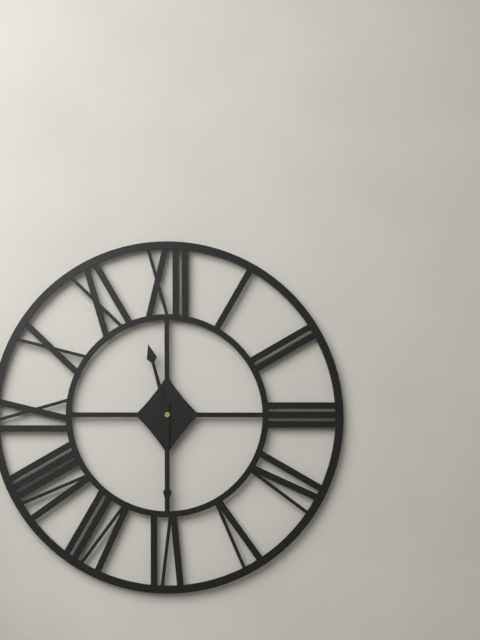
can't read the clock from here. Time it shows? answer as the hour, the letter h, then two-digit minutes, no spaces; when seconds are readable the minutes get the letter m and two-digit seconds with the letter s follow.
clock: 11h30
